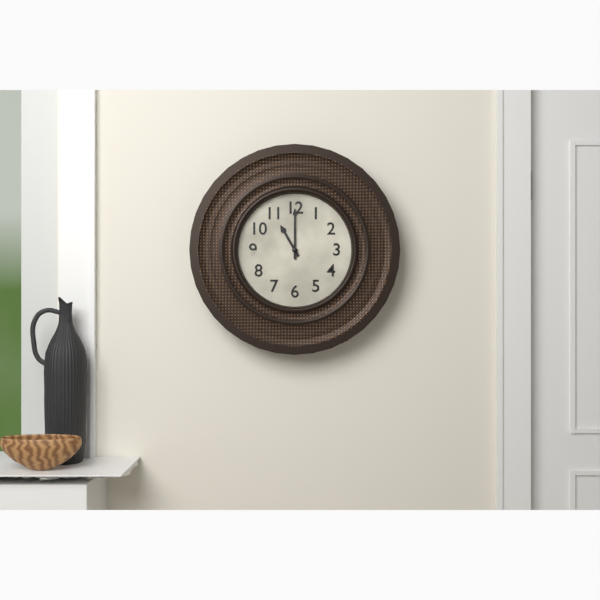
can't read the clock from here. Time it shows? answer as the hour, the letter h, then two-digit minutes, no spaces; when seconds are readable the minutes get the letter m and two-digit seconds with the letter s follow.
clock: 11h00
